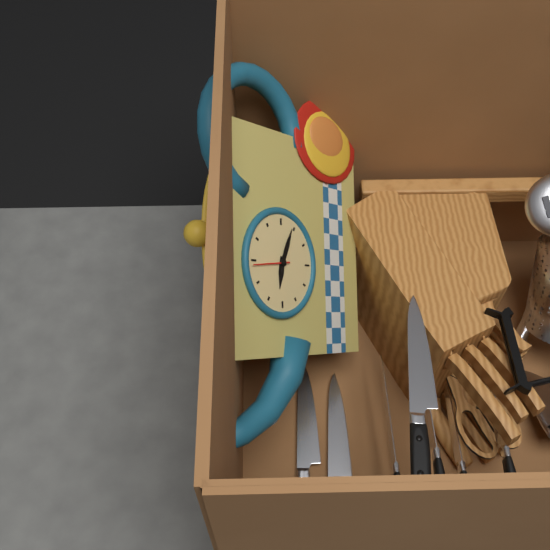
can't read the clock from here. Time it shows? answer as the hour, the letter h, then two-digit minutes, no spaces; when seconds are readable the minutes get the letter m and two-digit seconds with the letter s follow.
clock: 9h19
